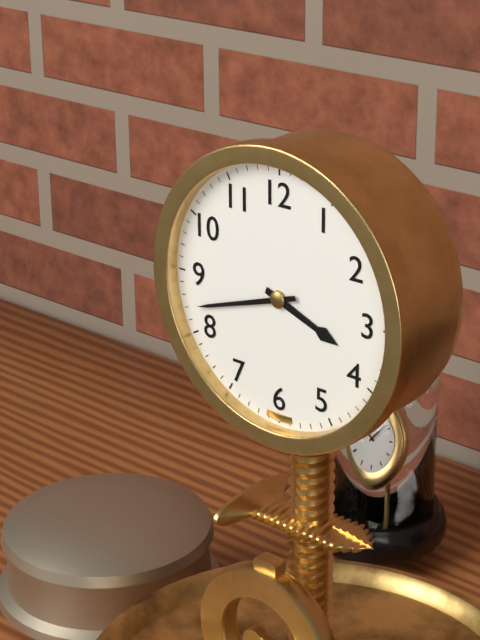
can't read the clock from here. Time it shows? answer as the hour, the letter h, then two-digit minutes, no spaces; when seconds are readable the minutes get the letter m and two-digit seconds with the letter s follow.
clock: 3h42
